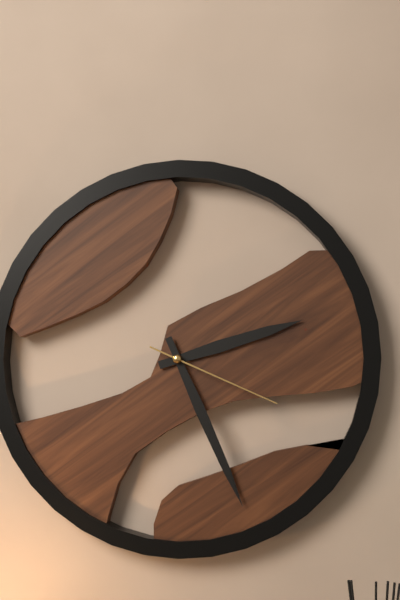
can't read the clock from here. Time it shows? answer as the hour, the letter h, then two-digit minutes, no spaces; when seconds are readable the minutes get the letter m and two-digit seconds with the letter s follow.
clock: 2h26m19s
